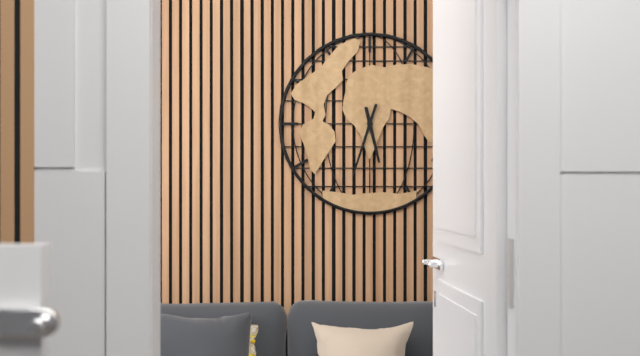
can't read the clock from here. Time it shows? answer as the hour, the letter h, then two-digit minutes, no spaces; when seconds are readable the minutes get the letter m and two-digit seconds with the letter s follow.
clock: 5h33
